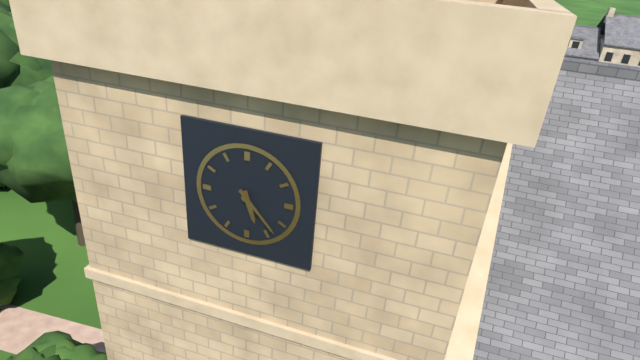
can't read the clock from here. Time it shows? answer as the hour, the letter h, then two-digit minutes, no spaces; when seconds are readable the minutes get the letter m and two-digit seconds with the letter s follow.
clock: 5h23
